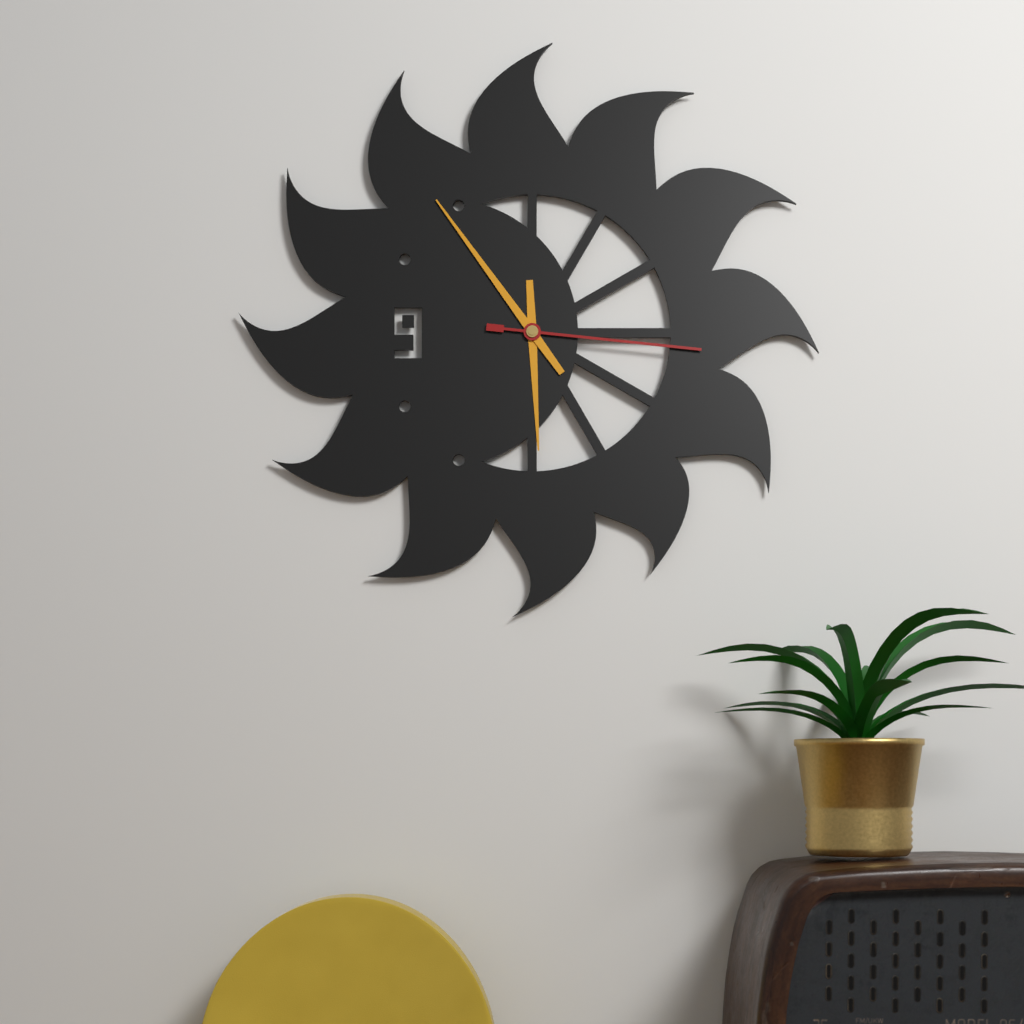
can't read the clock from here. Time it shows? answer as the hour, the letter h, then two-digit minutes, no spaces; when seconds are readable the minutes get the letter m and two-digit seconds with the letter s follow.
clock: 5h54m16s
